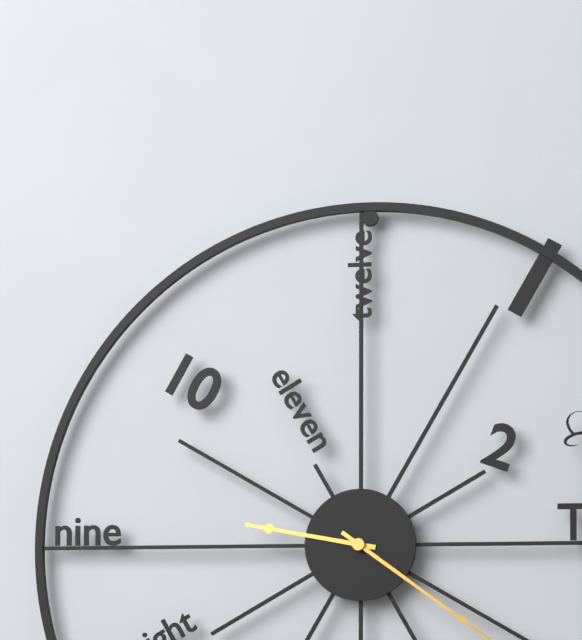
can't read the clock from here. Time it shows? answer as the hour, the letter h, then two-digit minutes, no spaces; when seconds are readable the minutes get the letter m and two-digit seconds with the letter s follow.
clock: 9h21
